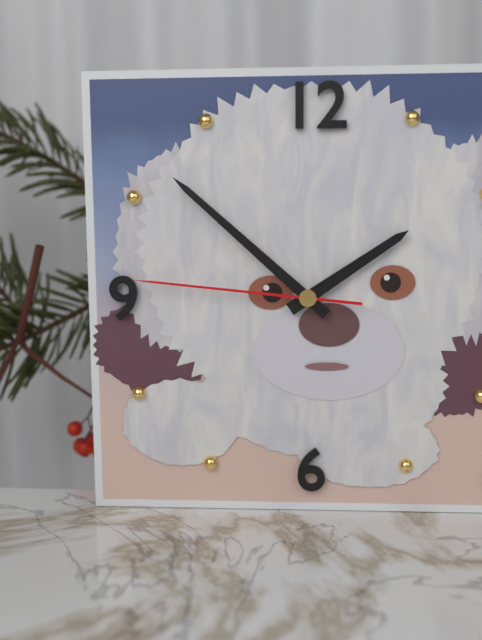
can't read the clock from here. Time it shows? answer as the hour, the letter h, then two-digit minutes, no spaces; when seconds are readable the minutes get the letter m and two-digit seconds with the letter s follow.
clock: 1h52m46s
